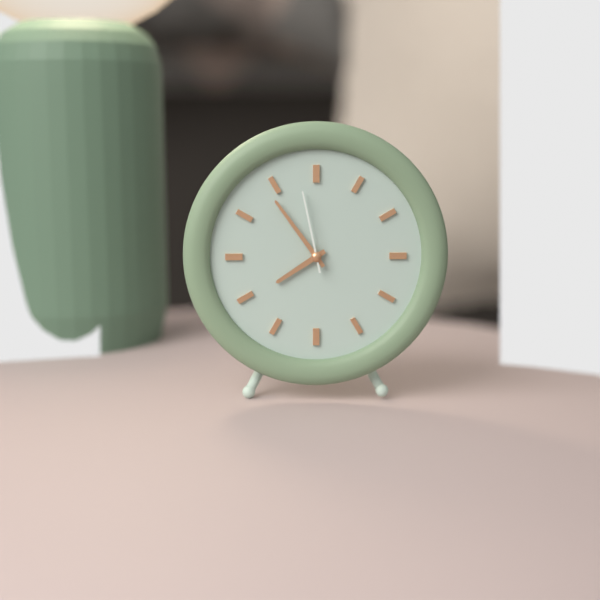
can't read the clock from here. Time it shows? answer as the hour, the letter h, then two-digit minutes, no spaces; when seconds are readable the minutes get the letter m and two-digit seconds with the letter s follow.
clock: 7h54m58s
